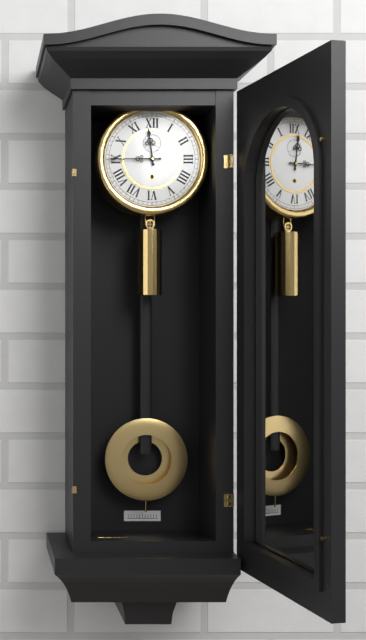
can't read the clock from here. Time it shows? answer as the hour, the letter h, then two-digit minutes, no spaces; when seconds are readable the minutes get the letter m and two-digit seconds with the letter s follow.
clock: 11h45
